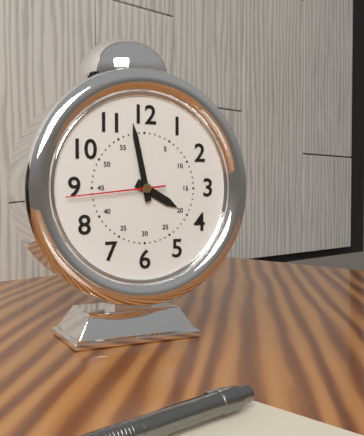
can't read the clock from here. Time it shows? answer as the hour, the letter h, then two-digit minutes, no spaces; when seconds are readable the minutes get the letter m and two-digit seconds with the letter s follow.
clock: 3h58m44s
